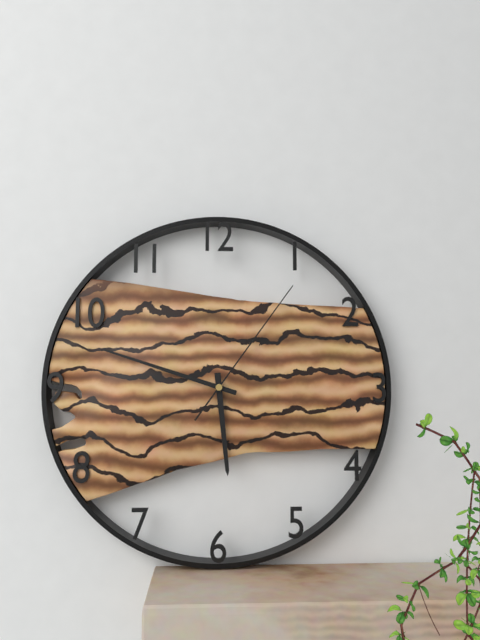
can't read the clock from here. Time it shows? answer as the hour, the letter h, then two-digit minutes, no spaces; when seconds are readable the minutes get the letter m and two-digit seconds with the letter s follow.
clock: 5h48m06s
